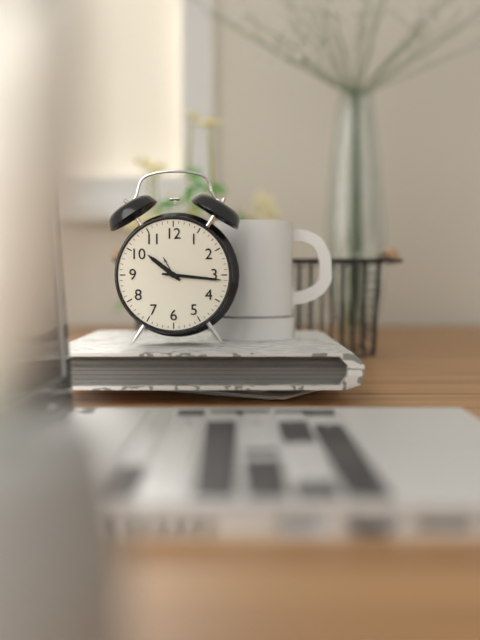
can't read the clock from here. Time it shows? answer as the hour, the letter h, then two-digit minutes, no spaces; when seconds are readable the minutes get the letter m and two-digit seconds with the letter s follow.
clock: 10h16
